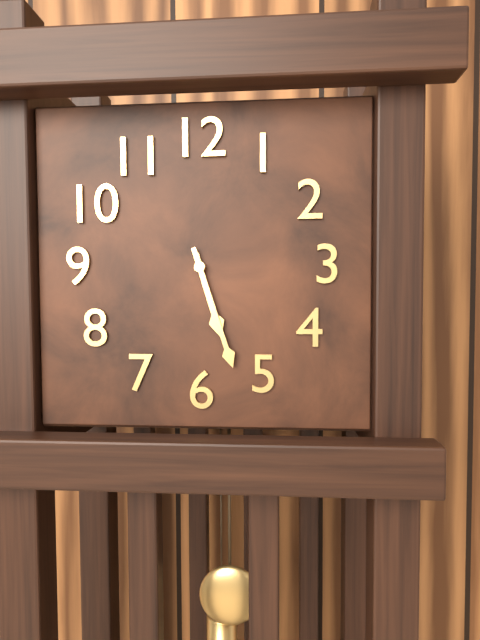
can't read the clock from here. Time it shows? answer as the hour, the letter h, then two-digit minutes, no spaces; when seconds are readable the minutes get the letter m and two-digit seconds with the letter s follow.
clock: 5h27
